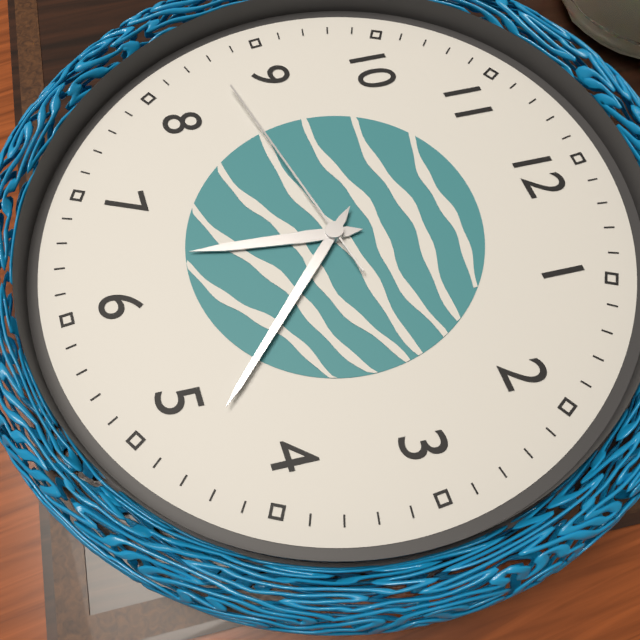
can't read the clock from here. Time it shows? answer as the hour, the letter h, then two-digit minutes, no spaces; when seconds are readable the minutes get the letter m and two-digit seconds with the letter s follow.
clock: 6h23m43s
